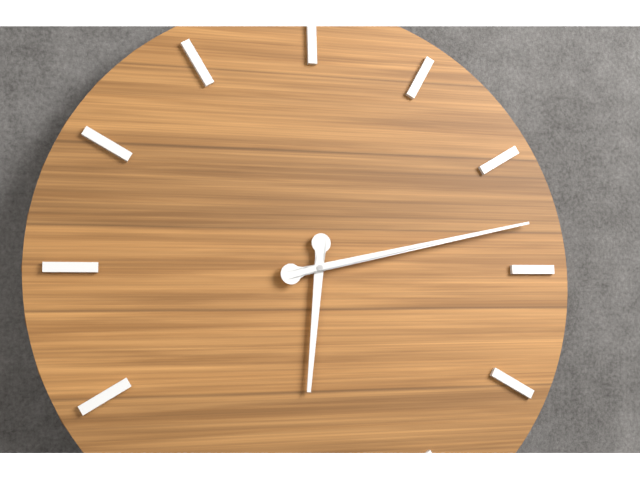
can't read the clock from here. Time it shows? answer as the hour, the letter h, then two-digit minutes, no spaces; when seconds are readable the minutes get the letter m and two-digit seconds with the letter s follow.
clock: 6h13
